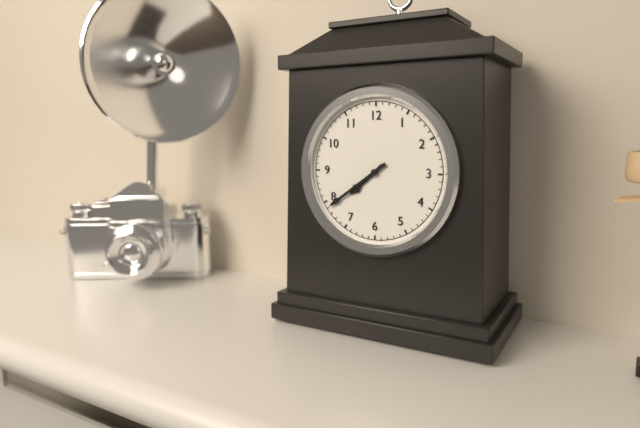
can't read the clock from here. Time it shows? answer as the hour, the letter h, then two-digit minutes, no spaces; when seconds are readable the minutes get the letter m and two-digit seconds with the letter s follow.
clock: 7h39
